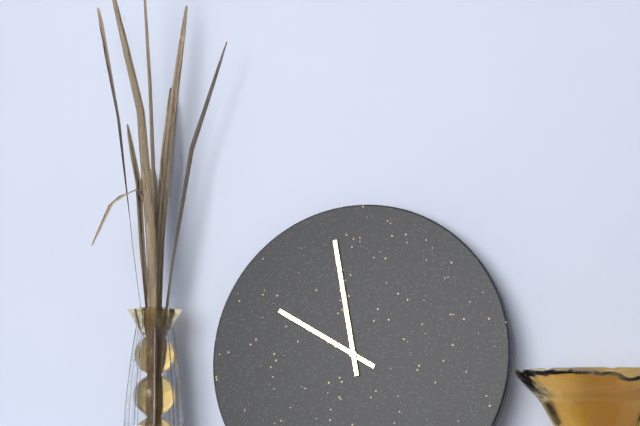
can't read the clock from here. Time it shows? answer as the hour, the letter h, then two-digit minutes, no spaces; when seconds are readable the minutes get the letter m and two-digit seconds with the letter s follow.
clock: 9h58
